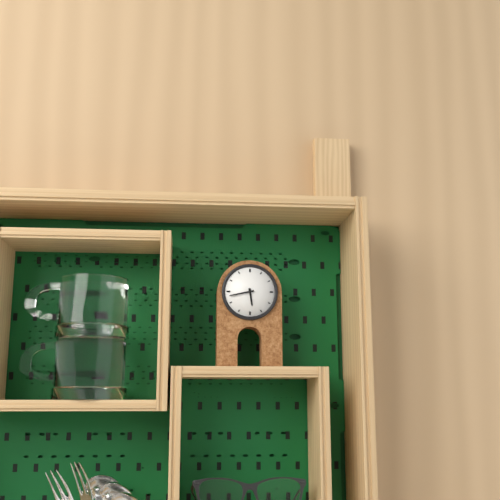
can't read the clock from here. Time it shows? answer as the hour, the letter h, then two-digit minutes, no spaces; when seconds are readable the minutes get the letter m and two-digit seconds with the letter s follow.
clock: 5h43
